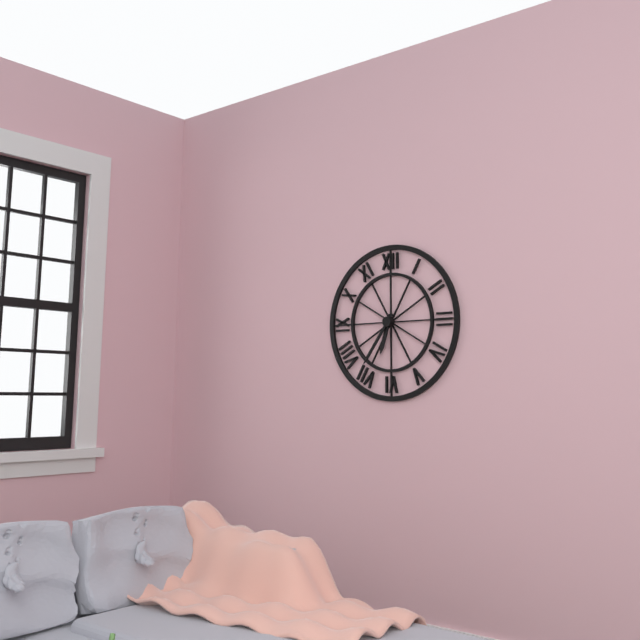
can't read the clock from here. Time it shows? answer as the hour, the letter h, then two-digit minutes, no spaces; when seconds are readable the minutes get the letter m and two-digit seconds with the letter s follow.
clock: 6h36
